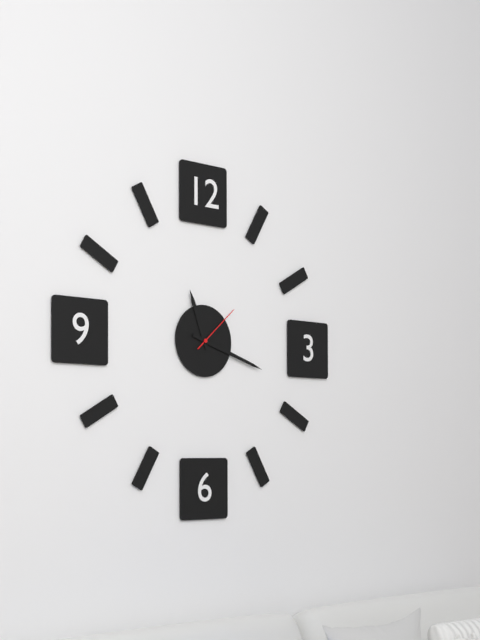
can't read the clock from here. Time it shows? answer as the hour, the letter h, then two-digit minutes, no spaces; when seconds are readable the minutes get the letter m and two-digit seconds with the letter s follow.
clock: 11h18m08s
